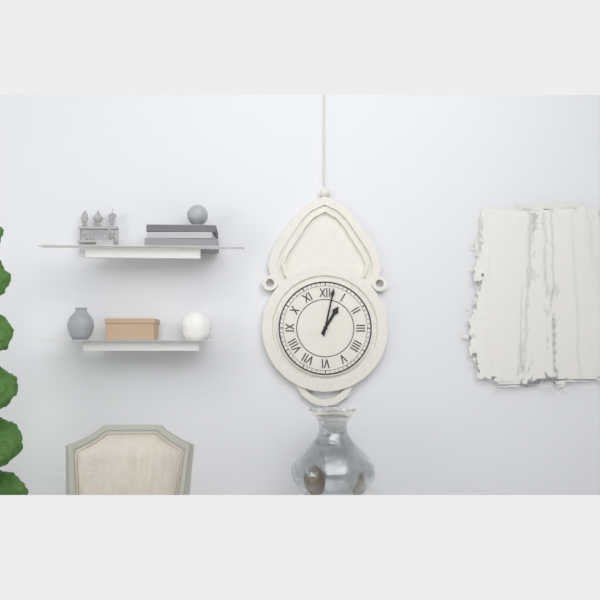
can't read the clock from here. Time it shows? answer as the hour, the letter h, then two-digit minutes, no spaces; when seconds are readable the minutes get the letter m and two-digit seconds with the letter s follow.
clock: 1h02
